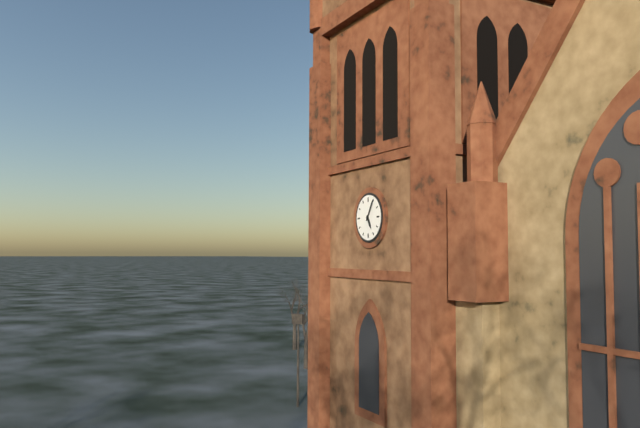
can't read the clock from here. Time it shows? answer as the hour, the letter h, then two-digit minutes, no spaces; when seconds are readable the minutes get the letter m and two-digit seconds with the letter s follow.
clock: 5h05
